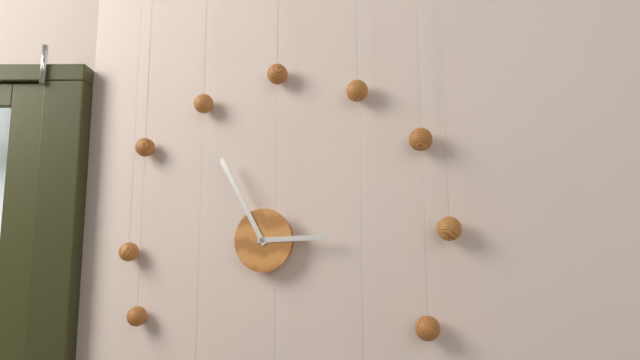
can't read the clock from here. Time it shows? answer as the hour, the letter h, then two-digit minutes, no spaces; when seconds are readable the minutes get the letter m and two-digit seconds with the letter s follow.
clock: 2h55
